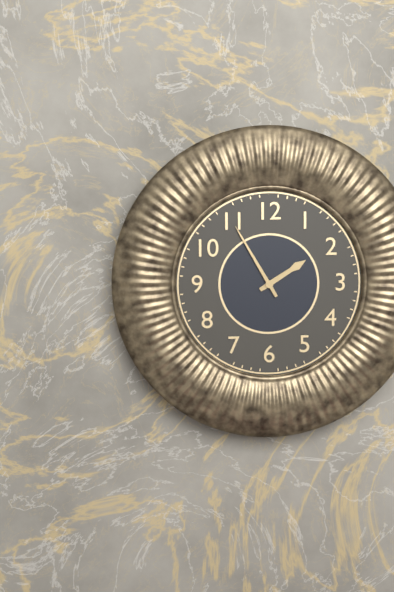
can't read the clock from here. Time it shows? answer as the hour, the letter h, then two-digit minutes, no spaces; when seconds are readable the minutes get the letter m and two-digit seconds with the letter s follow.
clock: 1h55
